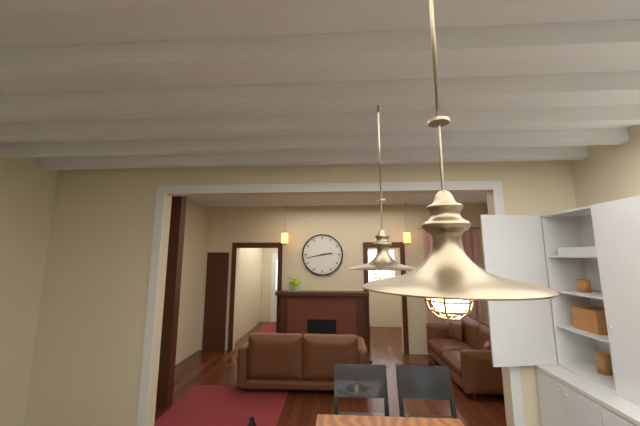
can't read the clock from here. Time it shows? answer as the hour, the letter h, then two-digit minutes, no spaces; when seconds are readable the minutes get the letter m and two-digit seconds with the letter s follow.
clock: 2h43
